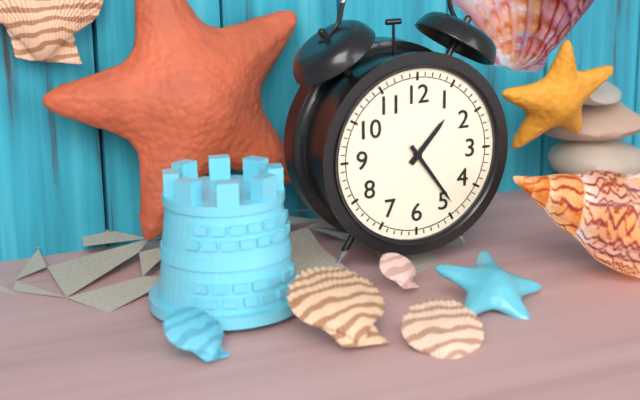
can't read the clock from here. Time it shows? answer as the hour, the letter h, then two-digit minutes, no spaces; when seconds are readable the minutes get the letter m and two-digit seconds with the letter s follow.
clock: 1h24
